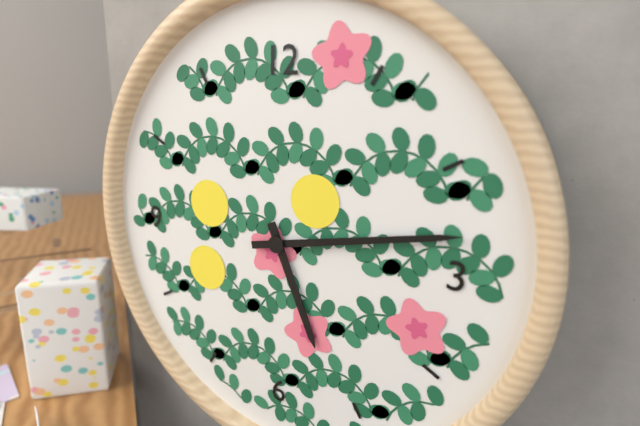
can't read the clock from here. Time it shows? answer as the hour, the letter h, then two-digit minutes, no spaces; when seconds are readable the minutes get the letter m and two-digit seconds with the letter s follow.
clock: 5h13
